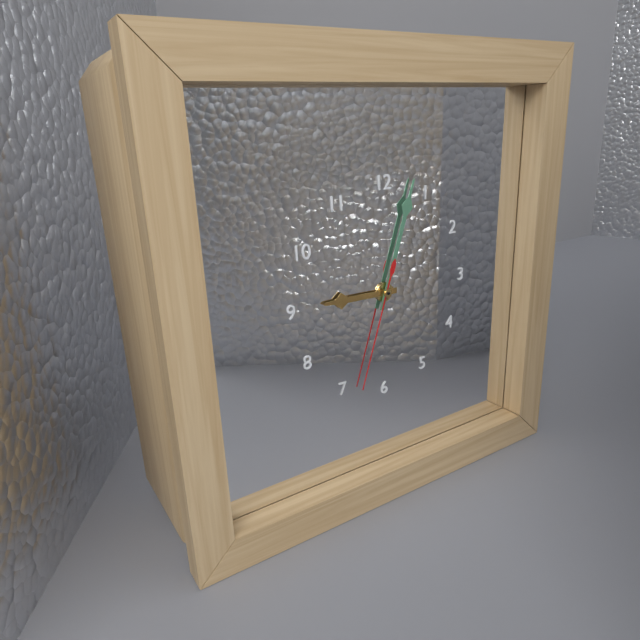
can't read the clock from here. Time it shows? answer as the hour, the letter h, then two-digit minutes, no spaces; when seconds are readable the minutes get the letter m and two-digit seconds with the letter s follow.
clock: 9h03m33s
